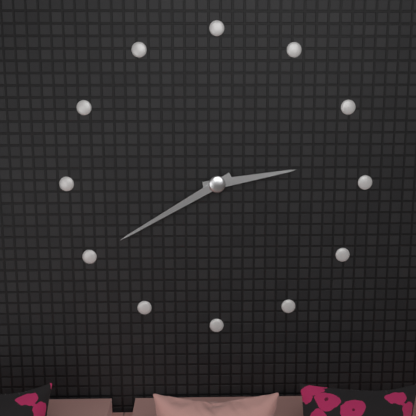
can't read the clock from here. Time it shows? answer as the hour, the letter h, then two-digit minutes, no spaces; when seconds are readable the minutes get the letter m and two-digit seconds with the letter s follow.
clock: 2h40
